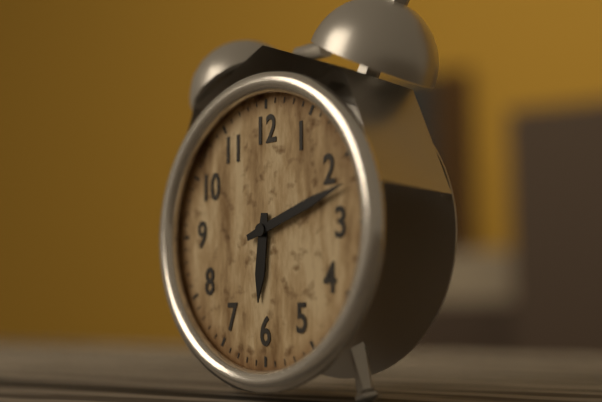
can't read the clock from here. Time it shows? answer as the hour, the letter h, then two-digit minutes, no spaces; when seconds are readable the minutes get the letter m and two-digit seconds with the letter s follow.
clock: 6h12
